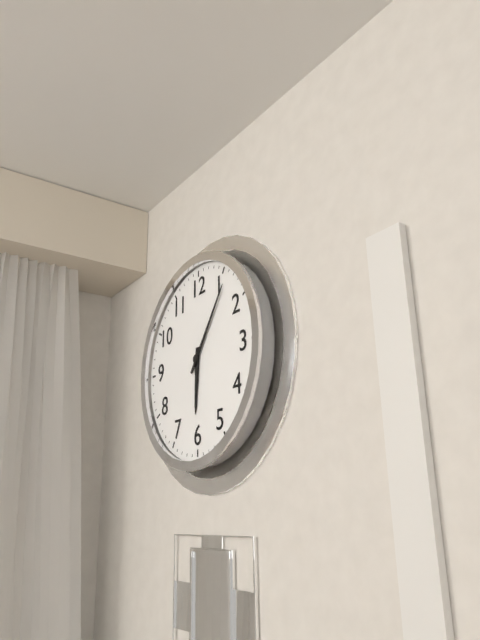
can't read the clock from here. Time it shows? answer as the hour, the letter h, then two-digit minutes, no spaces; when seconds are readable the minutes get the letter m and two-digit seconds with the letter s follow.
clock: 6h06
